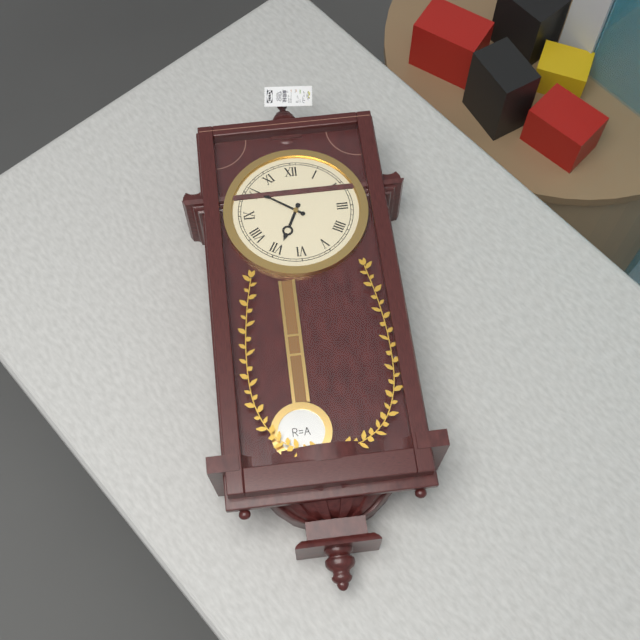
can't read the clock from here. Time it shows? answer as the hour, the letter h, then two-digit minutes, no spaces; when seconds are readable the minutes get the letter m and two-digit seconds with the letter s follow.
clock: 6h51
